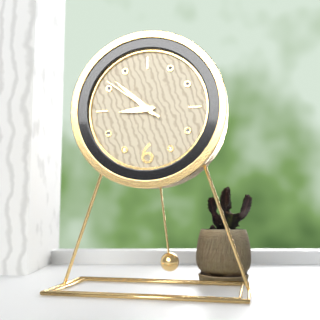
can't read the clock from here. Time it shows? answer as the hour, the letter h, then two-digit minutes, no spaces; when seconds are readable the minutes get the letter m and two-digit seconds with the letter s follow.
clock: 8h52m51s
